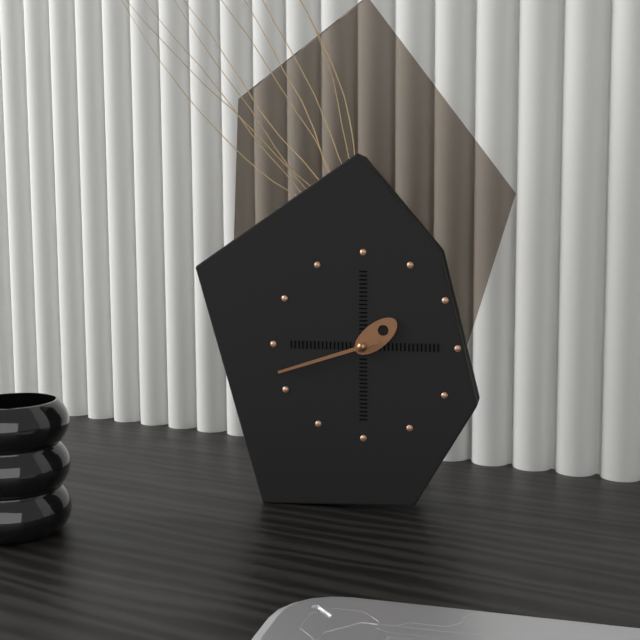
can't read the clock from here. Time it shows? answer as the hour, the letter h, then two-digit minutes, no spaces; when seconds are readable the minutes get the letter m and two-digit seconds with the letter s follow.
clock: 1h42
